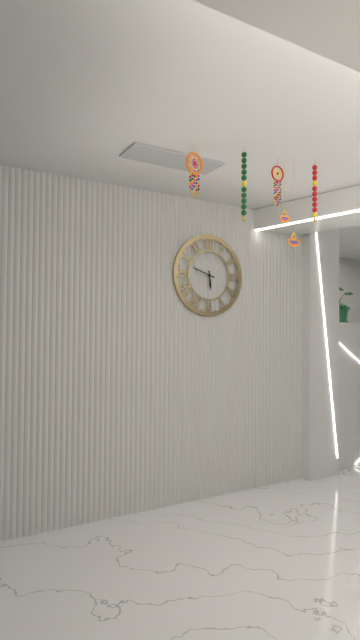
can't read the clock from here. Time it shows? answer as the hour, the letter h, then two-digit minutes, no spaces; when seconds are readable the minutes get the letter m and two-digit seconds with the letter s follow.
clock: 5h48
